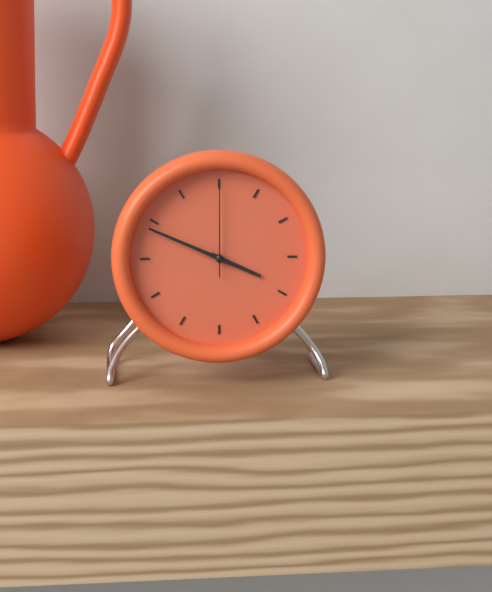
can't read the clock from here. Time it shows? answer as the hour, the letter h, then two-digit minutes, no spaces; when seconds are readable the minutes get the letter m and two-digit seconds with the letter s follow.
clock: 3h49m00s
